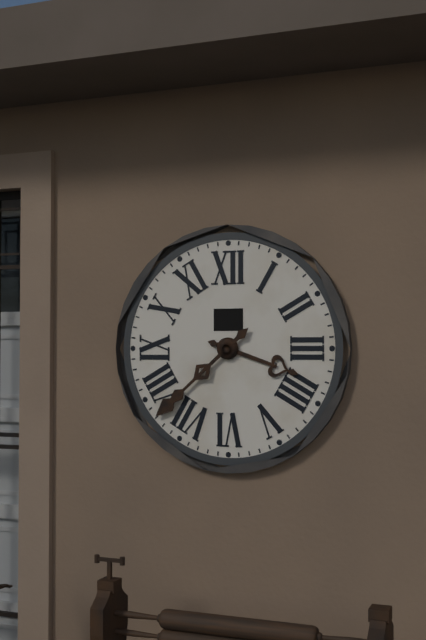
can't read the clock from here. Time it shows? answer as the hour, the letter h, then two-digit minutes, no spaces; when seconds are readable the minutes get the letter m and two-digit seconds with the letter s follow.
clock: 3h38
